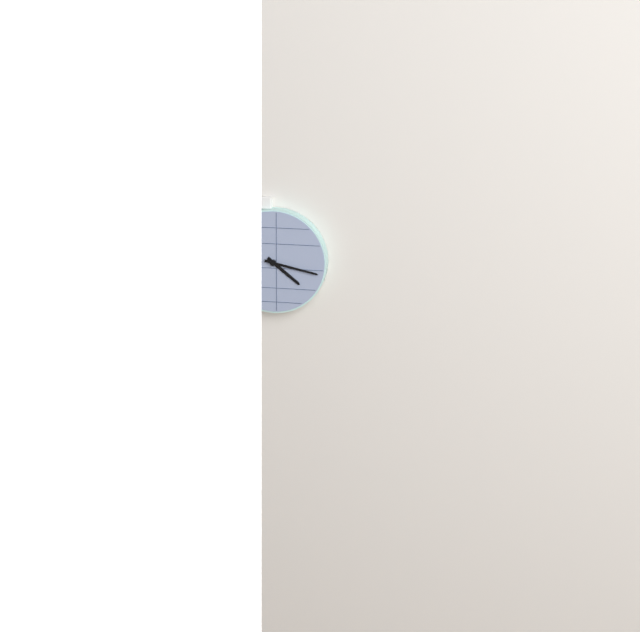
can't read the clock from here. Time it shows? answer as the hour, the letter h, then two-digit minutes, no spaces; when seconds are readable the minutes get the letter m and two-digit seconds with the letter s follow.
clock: 4h17
